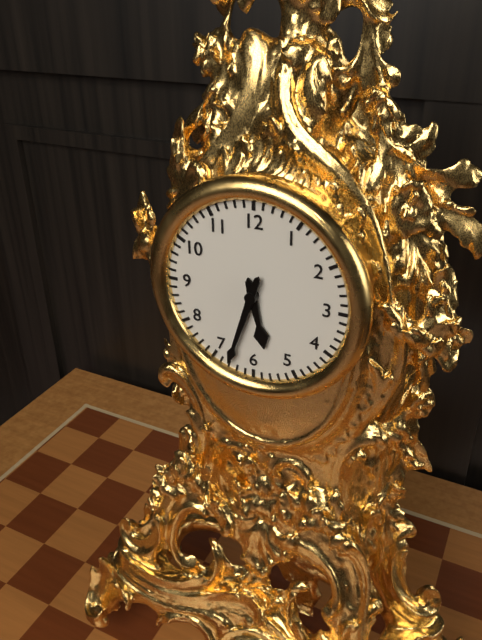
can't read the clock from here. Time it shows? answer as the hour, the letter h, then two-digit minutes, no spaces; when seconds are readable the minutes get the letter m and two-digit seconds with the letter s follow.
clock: 5h33
